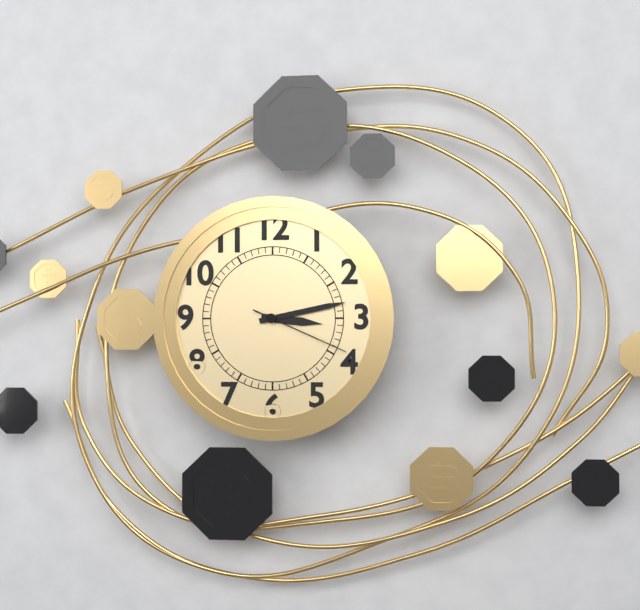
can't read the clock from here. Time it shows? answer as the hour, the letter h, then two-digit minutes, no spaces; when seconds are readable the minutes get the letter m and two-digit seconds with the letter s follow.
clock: 3h13m19s
